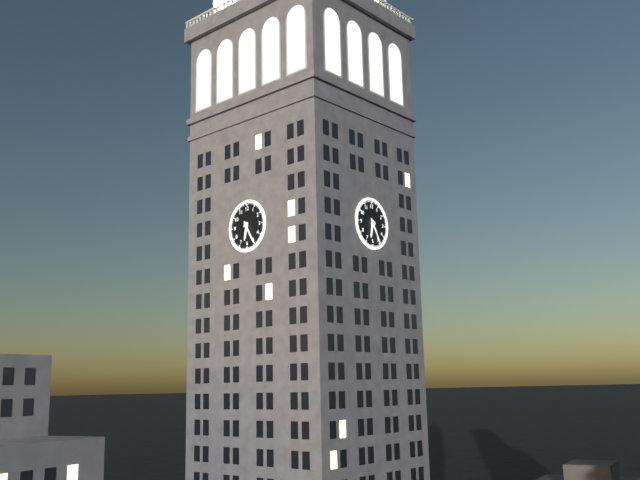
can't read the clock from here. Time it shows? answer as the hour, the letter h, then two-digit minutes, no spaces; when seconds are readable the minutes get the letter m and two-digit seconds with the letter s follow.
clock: 6h25
